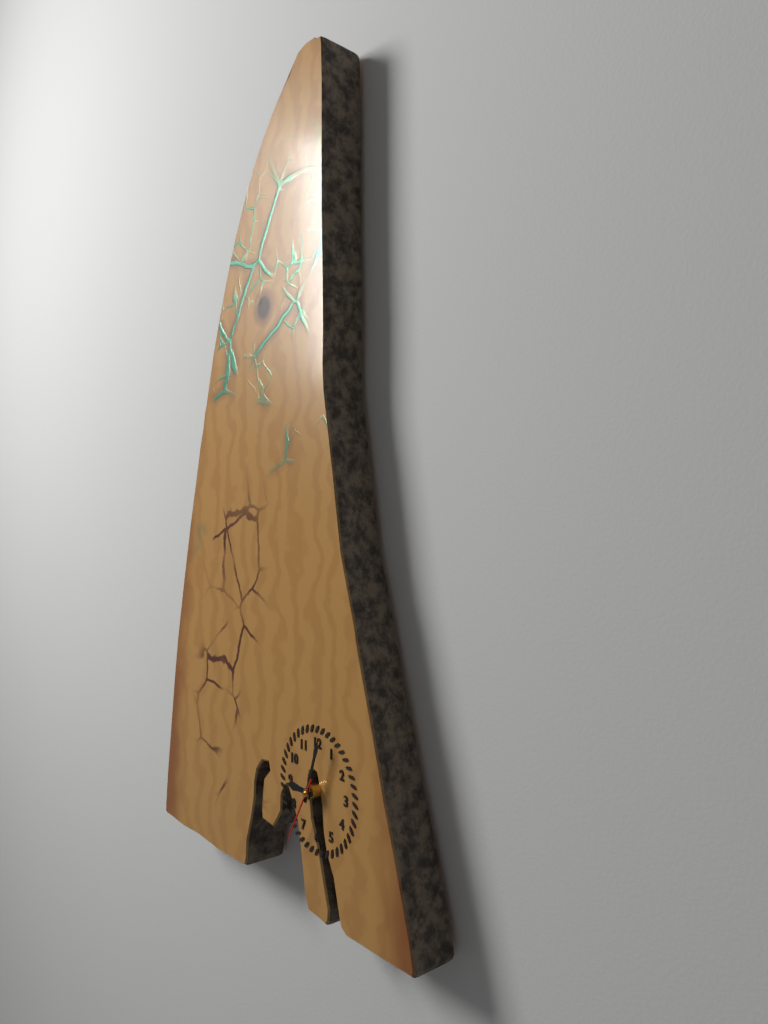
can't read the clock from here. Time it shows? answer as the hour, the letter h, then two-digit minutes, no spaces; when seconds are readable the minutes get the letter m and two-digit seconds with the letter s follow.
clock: 9h03m35s
